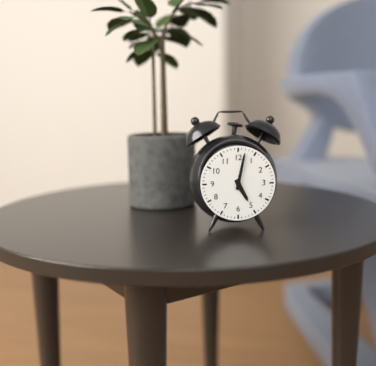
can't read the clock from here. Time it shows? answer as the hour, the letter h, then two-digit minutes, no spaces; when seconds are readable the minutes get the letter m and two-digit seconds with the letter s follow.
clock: 5h02
